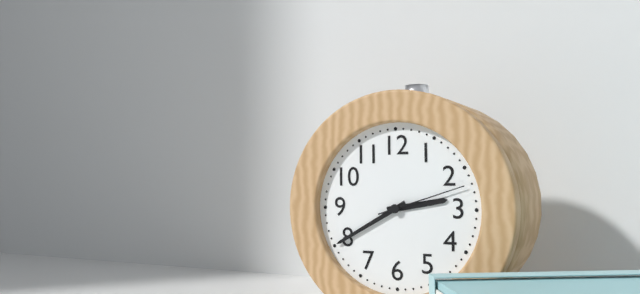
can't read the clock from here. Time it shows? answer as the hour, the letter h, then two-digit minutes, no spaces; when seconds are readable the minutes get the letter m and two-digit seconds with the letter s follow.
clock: 2h40m12s
